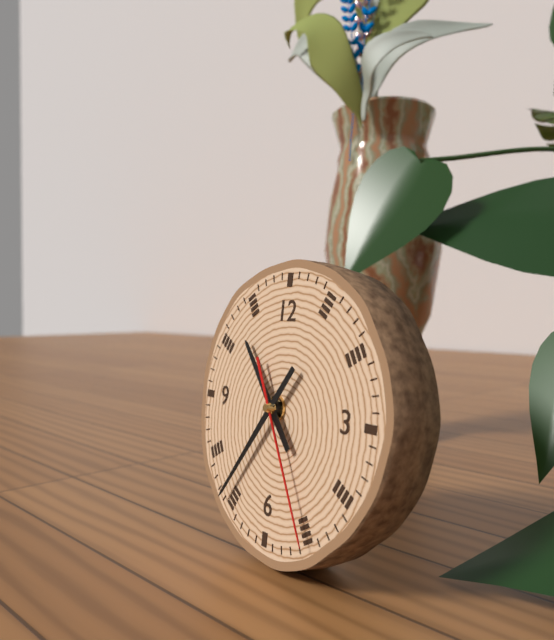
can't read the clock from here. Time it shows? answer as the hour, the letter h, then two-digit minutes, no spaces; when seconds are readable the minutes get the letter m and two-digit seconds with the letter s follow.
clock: 10h36m25s
